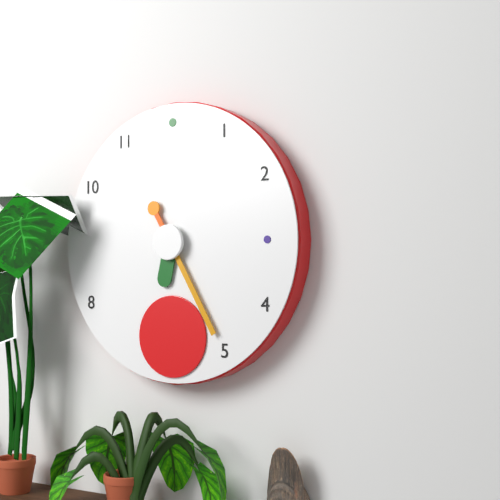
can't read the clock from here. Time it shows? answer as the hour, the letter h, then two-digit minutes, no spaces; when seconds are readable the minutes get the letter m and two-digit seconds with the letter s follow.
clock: 6h25
